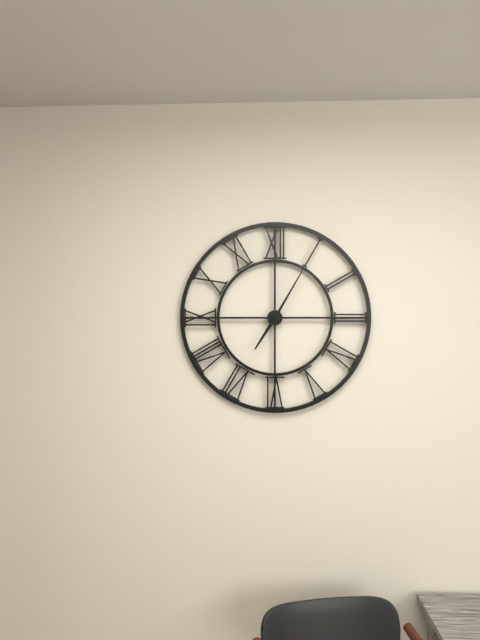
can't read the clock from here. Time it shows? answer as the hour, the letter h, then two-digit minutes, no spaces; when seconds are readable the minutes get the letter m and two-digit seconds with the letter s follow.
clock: 7h05
